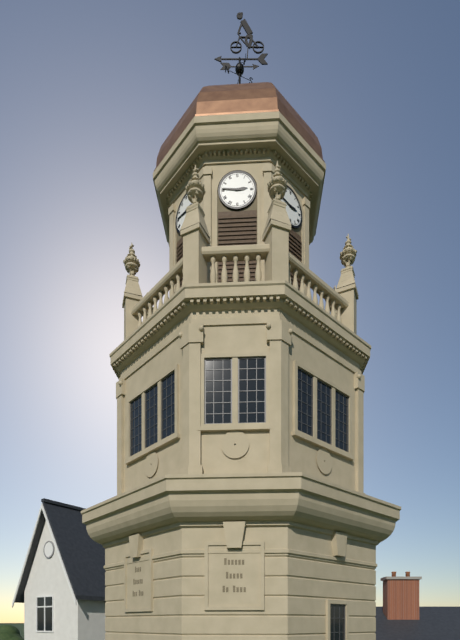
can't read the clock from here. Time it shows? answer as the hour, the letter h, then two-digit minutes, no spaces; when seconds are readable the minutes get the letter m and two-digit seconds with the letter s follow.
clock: 2h46
